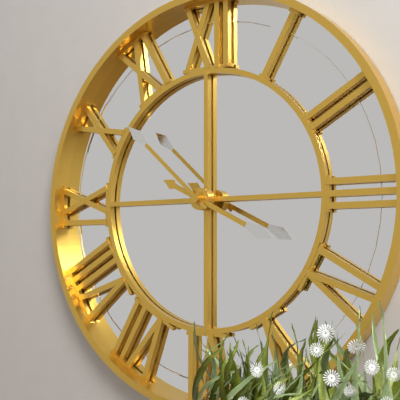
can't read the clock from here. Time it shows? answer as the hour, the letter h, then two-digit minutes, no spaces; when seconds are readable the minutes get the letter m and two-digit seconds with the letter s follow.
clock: 3h52
